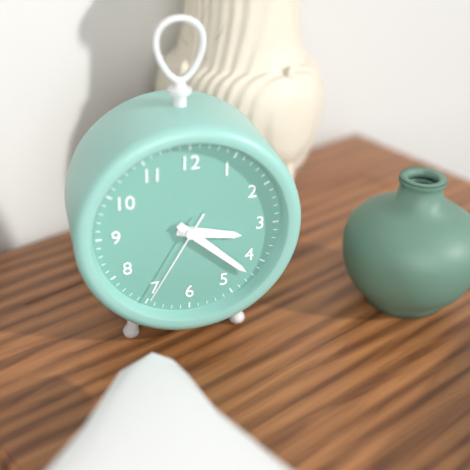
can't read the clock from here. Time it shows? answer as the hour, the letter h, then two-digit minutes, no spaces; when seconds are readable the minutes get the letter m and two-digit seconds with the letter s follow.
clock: 3h22m35s
